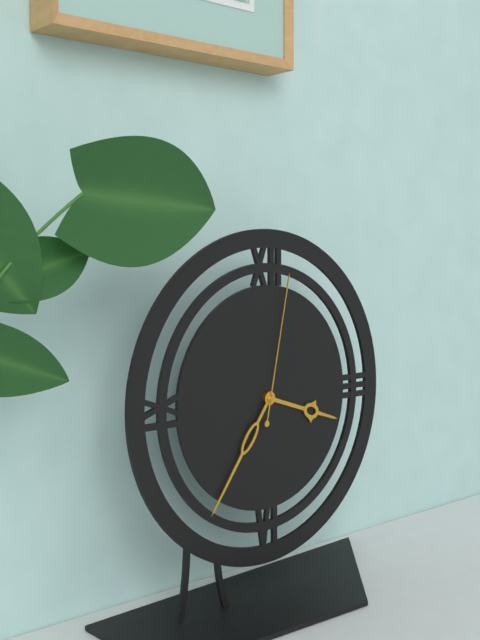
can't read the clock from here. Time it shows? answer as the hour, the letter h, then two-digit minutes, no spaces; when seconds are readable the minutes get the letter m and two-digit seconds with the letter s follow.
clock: 3h36m02s
